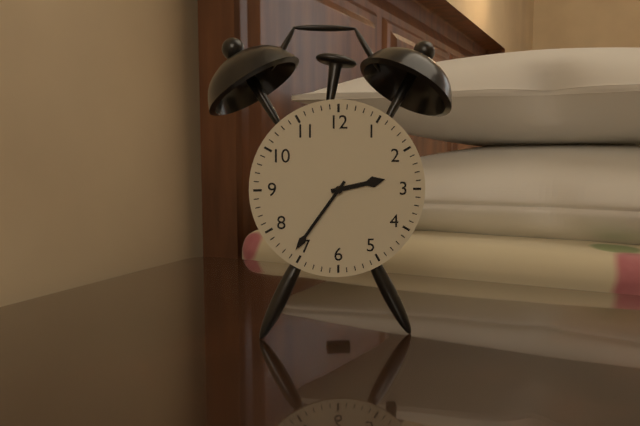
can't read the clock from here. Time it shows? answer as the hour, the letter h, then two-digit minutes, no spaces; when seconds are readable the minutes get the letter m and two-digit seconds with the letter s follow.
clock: 2h36
